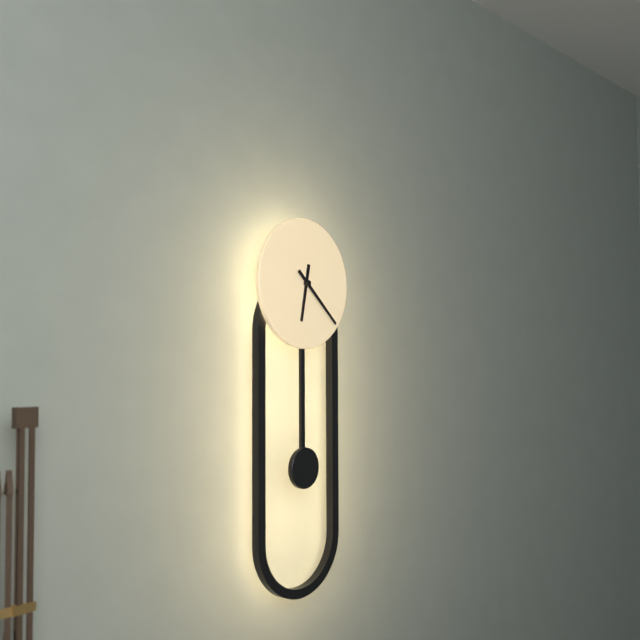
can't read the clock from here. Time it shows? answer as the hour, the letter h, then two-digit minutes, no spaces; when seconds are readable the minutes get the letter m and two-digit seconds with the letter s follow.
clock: 6h22
